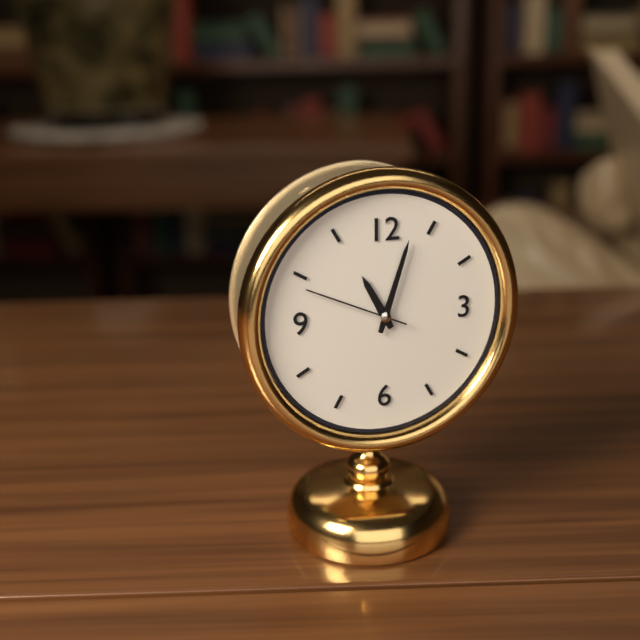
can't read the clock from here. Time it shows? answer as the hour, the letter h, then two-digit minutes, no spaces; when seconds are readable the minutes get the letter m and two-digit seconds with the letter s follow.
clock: 11h03m49s
